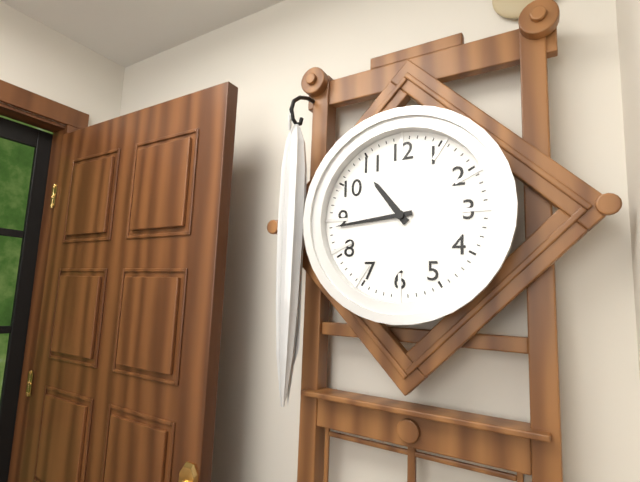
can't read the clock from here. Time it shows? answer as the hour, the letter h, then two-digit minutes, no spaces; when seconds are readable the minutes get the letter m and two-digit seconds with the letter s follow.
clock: 10h44
